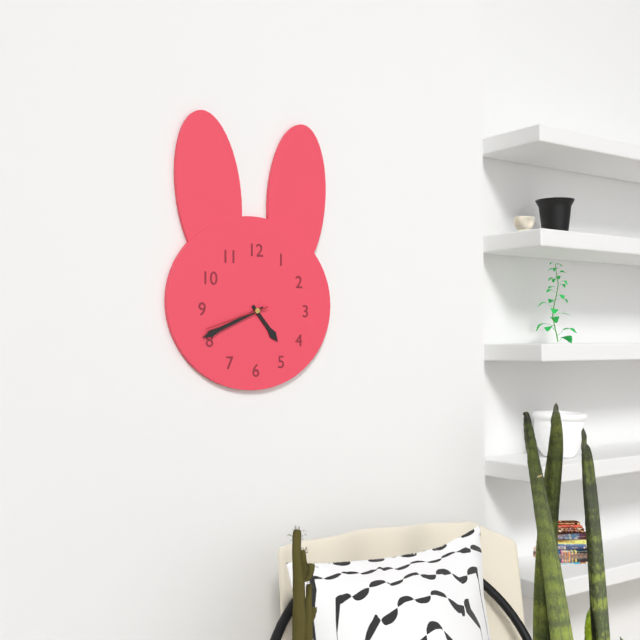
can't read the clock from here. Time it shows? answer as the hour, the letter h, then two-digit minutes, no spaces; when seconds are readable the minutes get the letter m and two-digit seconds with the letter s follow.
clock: 4h41m42s
